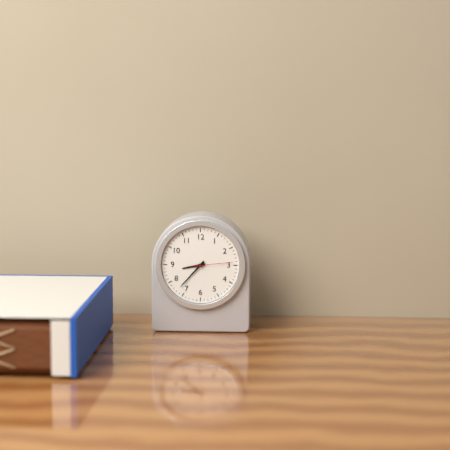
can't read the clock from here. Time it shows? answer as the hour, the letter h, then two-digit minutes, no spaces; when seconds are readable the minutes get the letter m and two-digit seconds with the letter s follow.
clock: 8h37
